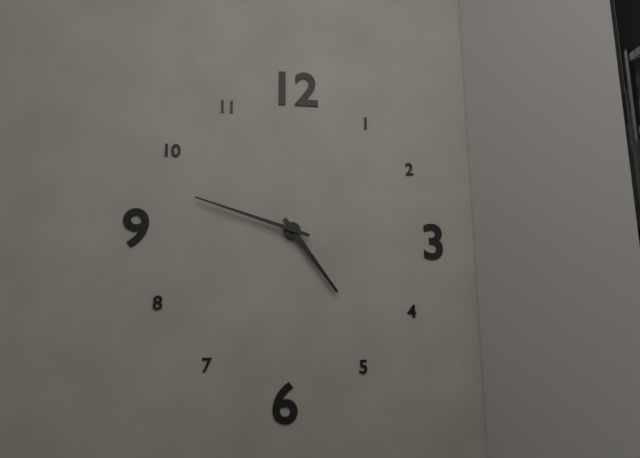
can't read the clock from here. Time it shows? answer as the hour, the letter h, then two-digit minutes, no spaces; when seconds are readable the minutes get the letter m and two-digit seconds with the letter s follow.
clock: 4h48
